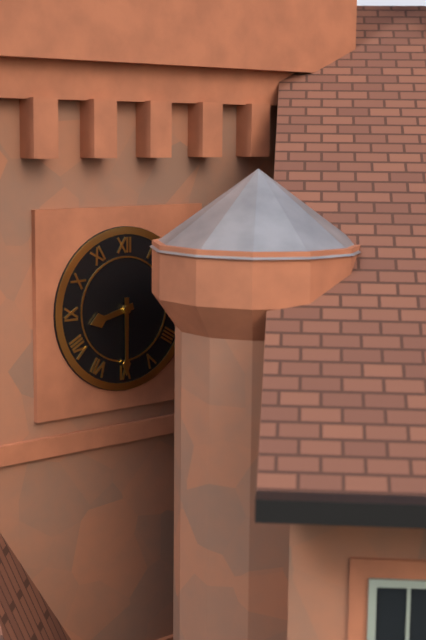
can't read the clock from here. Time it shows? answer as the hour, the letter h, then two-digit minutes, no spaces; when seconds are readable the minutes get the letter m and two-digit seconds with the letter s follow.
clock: 8h30
